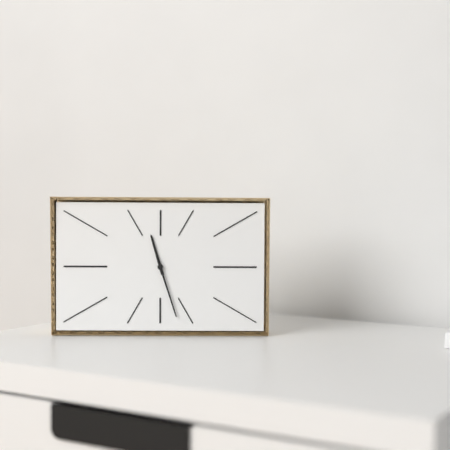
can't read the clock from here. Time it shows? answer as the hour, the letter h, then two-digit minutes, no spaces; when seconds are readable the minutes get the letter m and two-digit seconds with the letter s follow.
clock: 11h27
